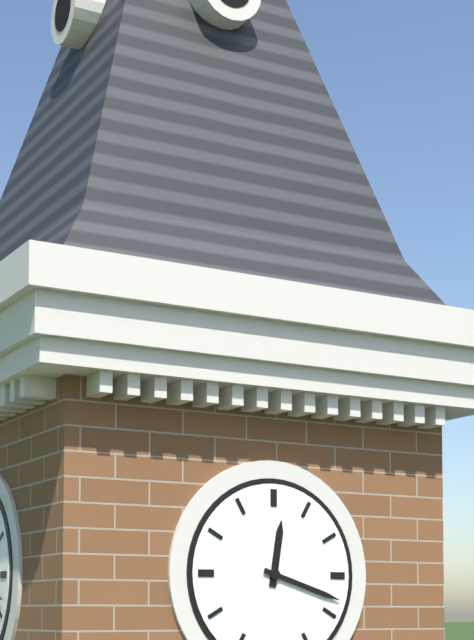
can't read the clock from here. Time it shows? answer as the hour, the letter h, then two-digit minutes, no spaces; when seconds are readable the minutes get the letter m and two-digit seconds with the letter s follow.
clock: 12h18
